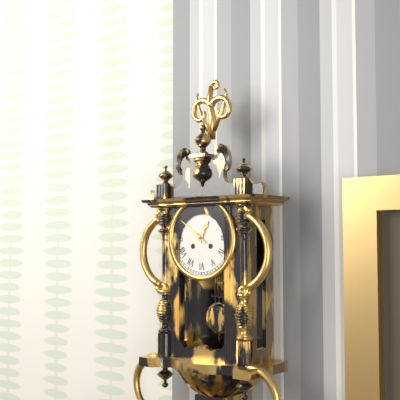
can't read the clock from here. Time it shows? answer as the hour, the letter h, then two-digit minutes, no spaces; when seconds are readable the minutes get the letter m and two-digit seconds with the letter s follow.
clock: 12h51
